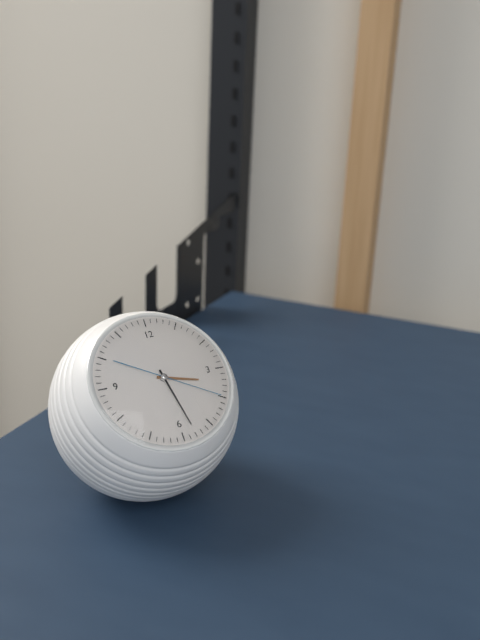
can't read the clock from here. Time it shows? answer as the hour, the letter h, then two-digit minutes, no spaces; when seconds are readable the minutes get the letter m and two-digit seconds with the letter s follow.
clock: 3h28m20s
